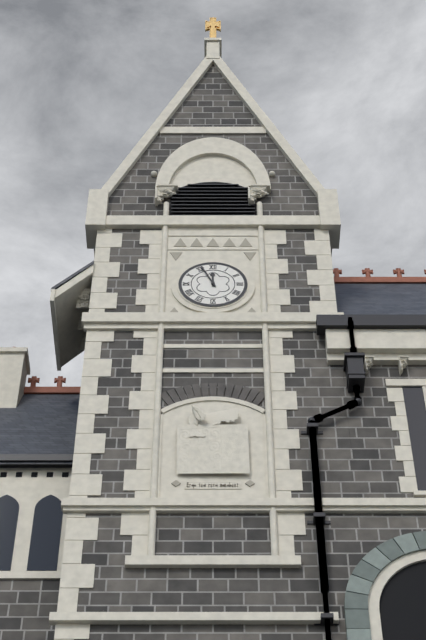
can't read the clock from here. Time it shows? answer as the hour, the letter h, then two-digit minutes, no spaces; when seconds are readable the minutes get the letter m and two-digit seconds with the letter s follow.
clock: 11h56
